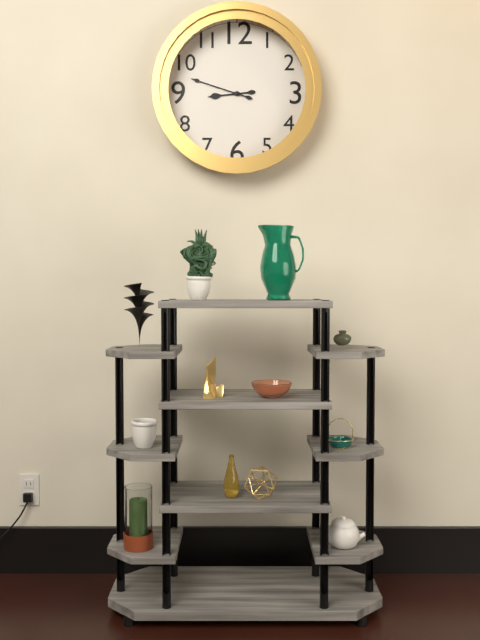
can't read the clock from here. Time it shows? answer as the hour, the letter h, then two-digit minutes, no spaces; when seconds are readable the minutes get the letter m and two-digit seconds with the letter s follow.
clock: 8h48
